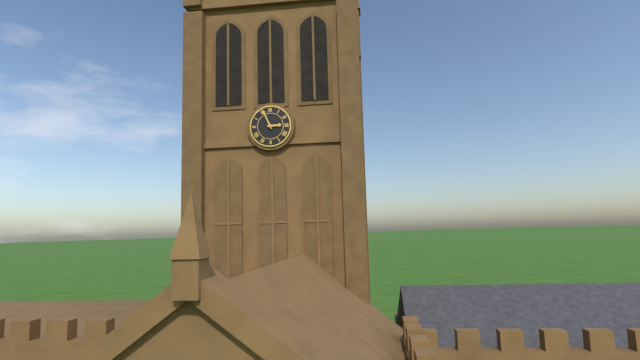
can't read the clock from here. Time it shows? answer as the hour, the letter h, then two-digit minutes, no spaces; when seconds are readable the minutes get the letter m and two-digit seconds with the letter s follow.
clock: 2h56
